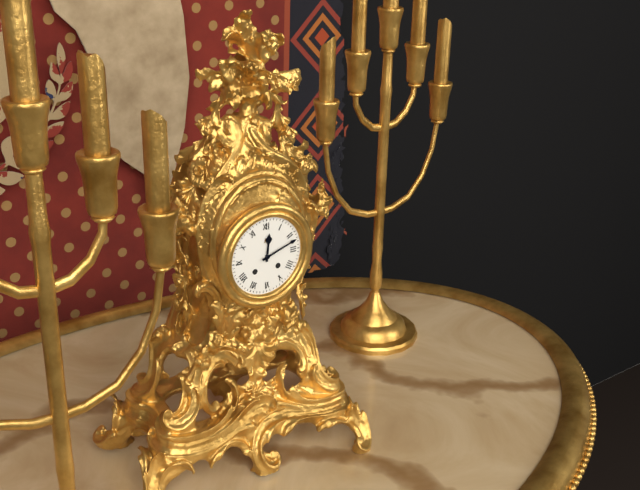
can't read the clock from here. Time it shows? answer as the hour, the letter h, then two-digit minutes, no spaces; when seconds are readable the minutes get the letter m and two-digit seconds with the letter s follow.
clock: 12h12
